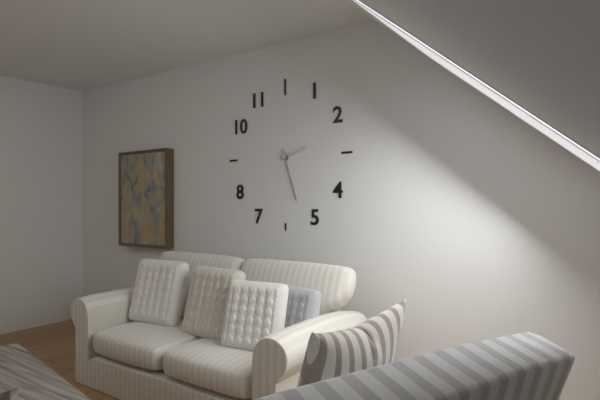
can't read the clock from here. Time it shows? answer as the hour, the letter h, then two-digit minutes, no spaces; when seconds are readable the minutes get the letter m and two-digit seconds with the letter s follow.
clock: 2h27
